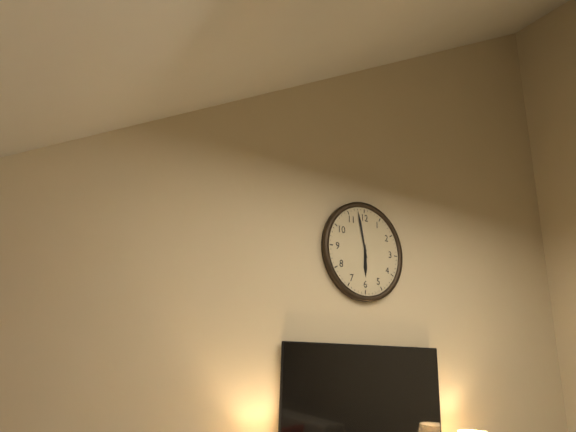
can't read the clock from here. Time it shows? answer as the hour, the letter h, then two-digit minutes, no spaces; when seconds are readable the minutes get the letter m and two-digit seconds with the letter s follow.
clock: 5h58
